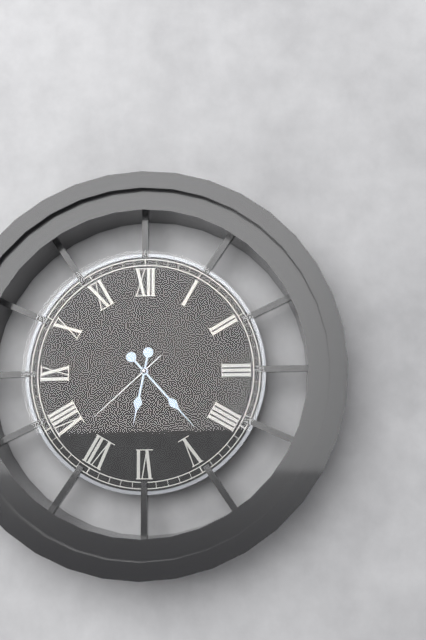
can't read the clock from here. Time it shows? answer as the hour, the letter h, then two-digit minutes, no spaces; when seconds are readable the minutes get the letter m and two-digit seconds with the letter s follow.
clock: 6h23m38s
